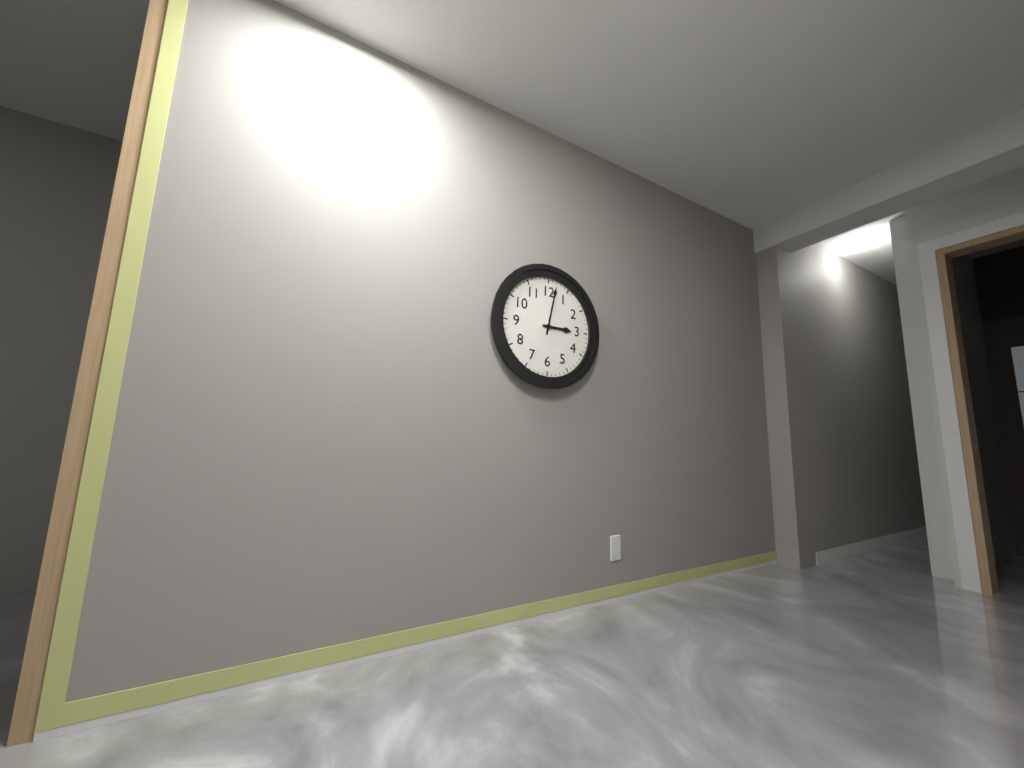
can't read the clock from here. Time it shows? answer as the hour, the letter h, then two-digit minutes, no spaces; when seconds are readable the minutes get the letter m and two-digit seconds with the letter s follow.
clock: 3h02
